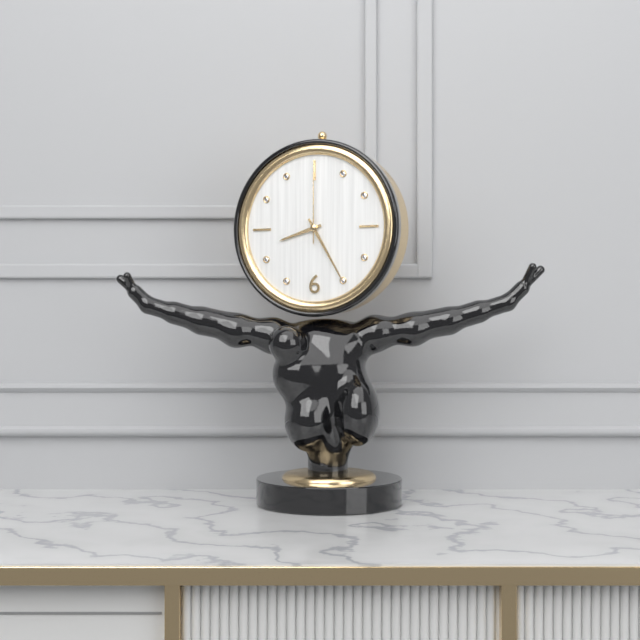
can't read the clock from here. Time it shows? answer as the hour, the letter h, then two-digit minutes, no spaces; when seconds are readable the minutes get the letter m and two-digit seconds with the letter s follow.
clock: 8h25m00s
